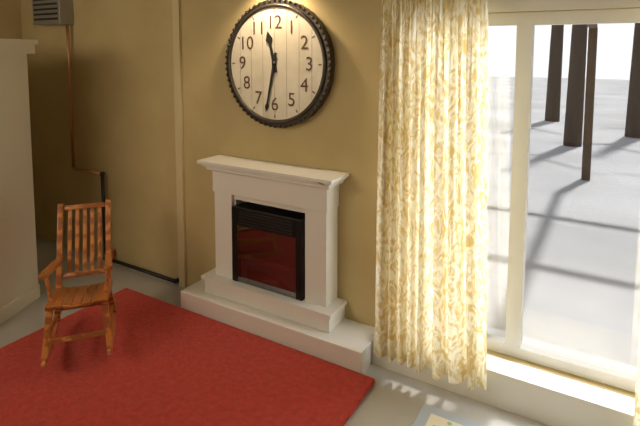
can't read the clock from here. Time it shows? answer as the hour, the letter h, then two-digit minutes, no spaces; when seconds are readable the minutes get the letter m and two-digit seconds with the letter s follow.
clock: 11h32
